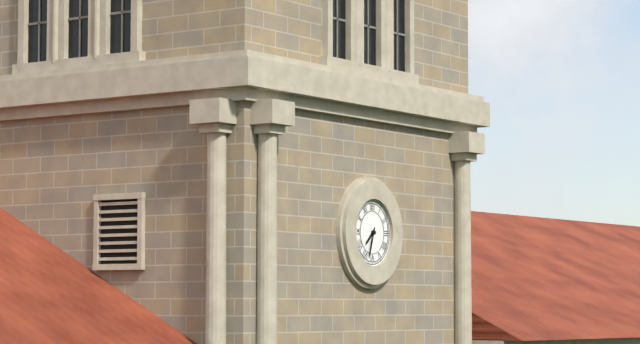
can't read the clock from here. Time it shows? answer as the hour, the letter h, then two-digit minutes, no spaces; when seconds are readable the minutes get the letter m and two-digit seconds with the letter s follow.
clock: 7h33
